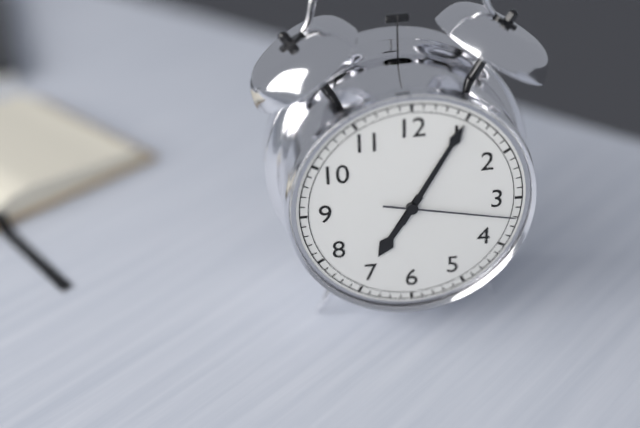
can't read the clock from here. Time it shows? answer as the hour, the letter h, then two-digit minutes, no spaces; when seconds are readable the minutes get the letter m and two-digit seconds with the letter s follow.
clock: 7h05m17s
